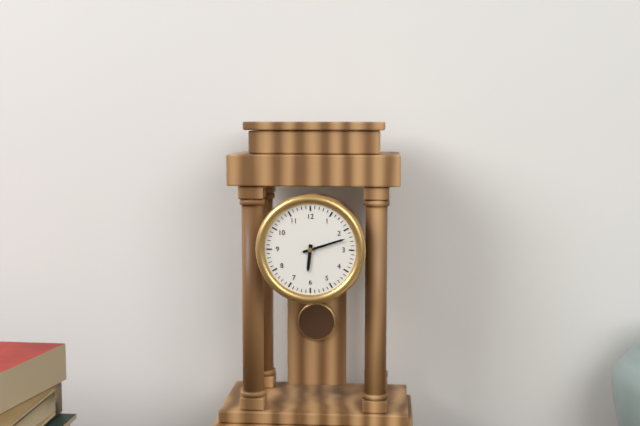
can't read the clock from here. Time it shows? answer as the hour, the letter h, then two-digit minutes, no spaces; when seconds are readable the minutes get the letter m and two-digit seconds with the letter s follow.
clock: 6h12
